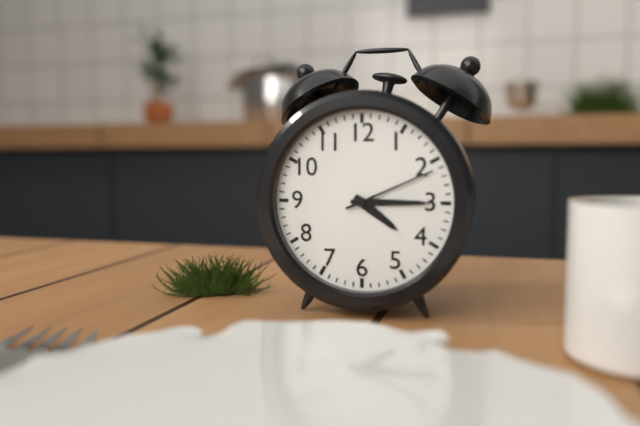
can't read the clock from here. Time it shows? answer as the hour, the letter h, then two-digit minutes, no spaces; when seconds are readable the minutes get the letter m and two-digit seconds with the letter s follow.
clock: 4h15m11s
